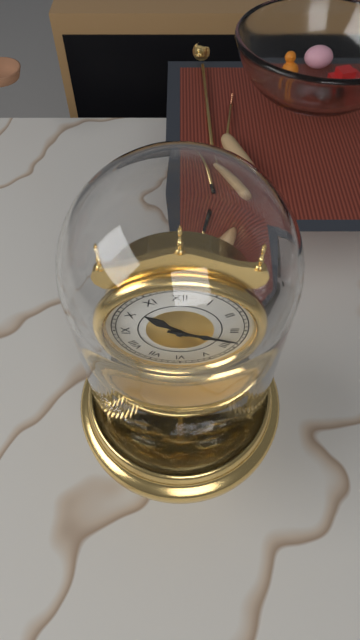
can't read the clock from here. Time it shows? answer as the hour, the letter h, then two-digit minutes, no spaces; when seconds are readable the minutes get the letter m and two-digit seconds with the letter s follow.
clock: 10h18
